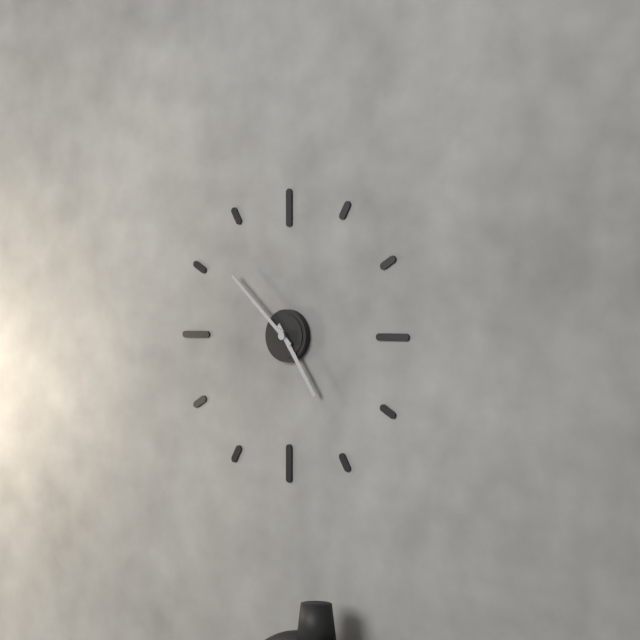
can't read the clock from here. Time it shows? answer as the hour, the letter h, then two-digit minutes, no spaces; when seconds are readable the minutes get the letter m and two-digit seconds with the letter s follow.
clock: 4h52
